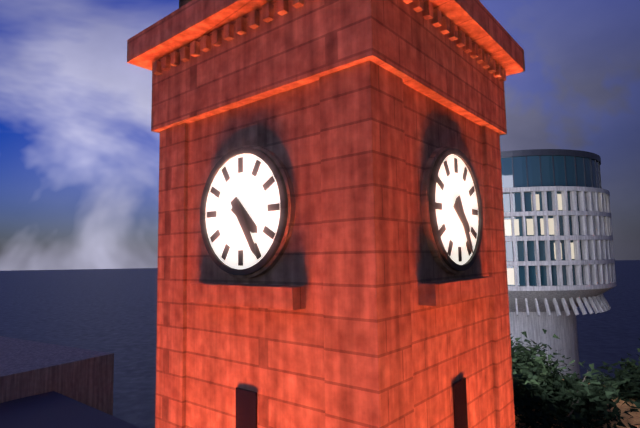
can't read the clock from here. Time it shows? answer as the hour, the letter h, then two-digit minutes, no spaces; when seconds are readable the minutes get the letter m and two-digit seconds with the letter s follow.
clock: 4h25
